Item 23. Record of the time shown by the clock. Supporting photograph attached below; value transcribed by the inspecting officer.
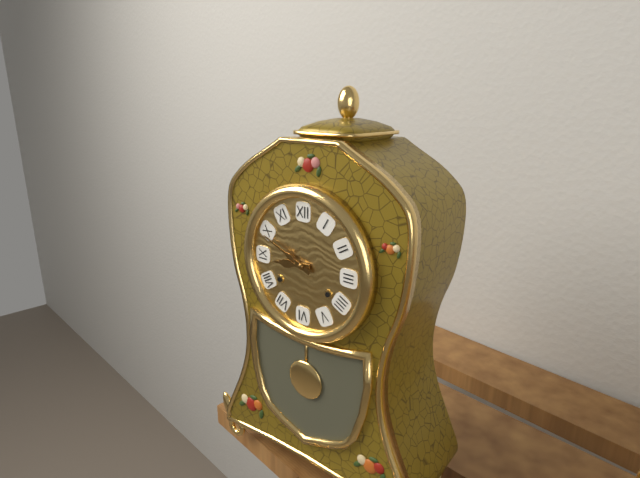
8:49
